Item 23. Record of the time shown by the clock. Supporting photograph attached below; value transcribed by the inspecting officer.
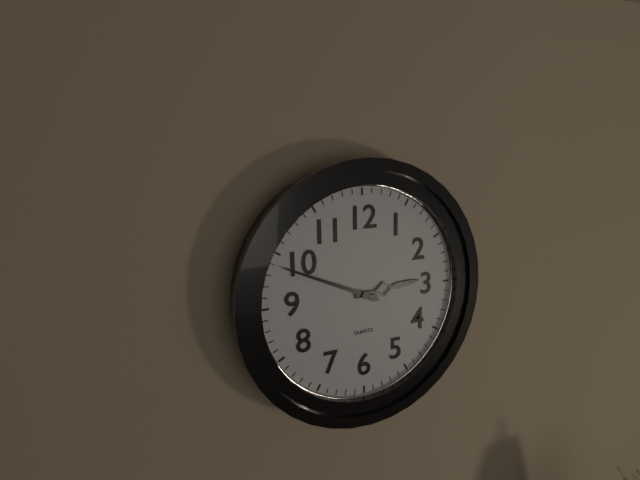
2:49
